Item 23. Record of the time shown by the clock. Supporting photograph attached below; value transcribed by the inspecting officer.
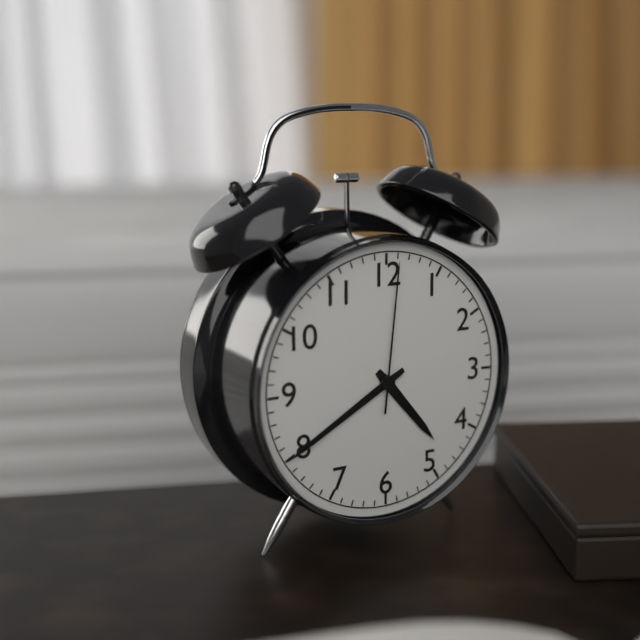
4:40:01
